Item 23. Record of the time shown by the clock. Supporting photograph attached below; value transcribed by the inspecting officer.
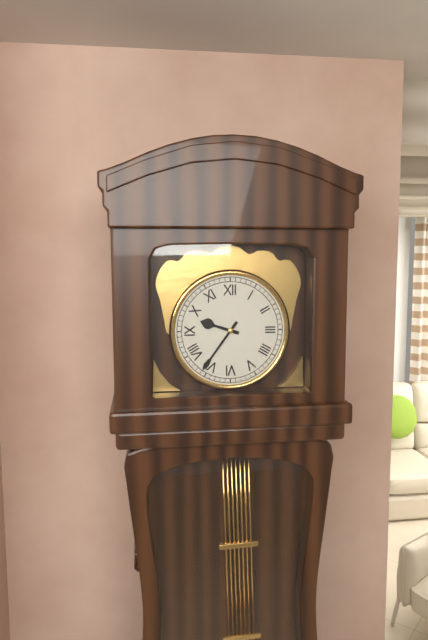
9:36
